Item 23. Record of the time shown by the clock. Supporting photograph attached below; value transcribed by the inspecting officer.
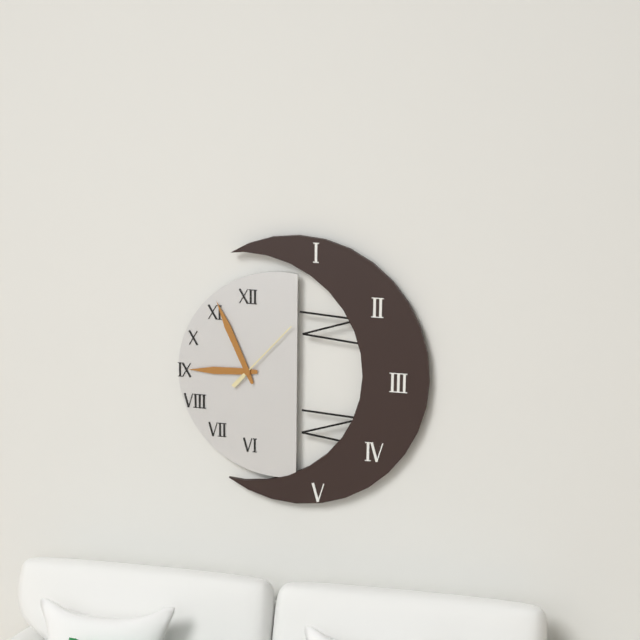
8:56:07
